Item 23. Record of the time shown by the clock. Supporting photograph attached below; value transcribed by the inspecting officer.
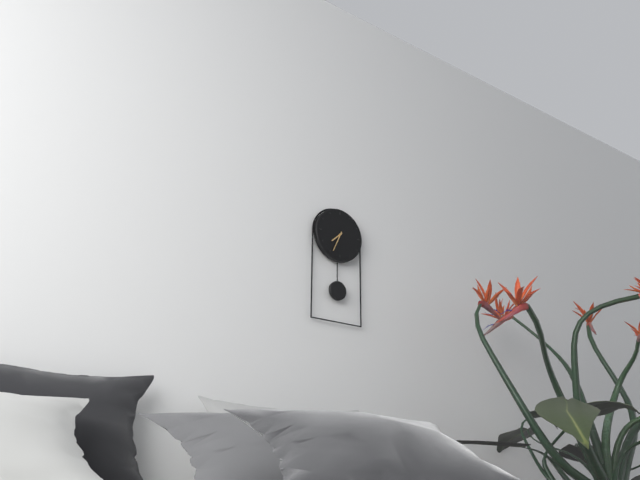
7:34
